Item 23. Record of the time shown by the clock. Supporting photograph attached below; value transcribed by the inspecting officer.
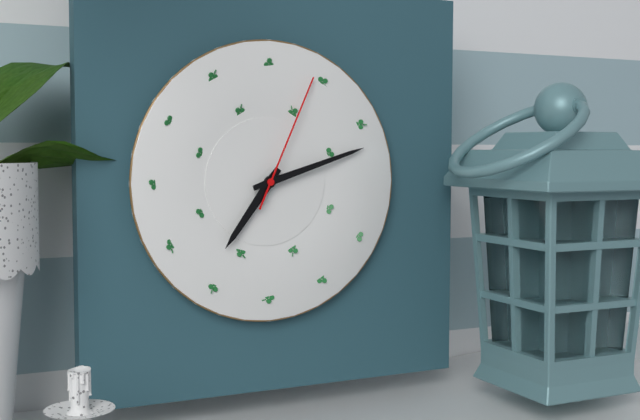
7:12:04
